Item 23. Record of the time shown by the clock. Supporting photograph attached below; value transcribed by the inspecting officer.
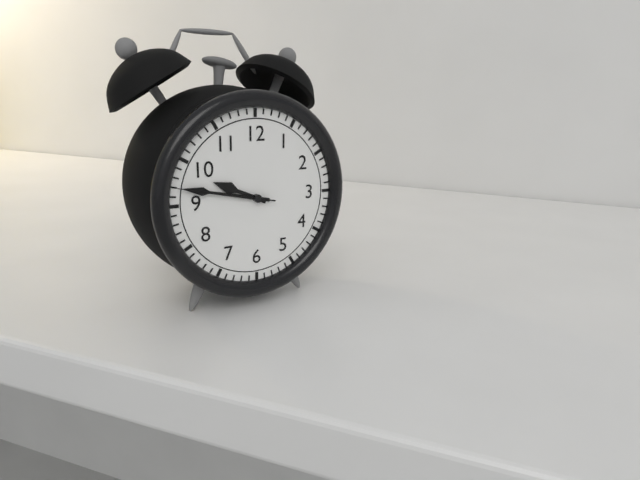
9:47:47
